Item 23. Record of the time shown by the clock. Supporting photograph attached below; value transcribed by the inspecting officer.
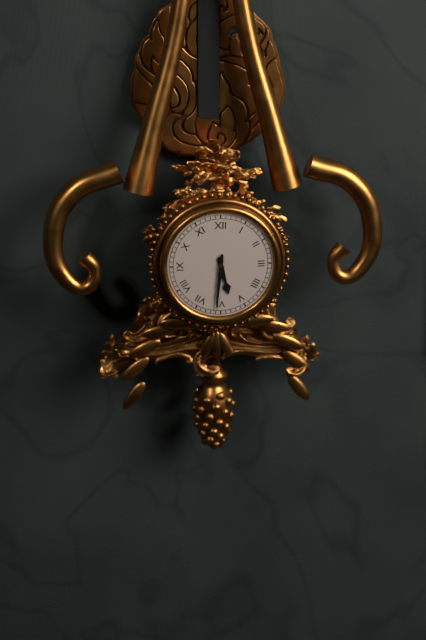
5:31
